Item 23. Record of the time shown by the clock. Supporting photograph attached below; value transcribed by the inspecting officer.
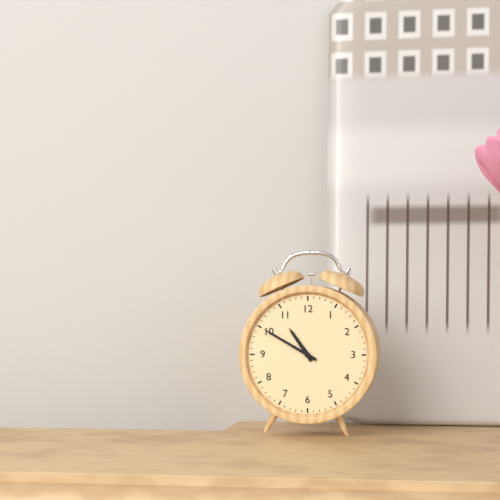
10:50
